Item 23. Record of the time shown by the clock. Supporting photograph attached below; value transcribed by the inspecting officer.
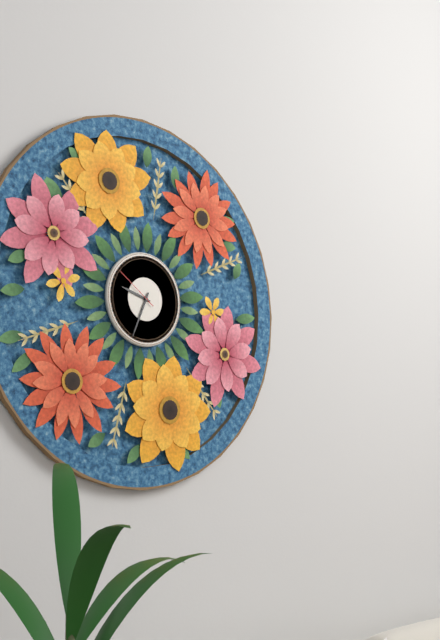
9:34
